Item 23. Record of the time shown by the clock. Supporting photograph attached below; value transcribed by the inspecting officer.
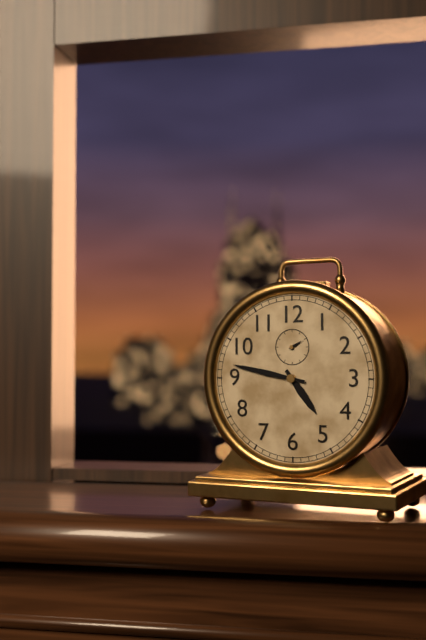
4:47
